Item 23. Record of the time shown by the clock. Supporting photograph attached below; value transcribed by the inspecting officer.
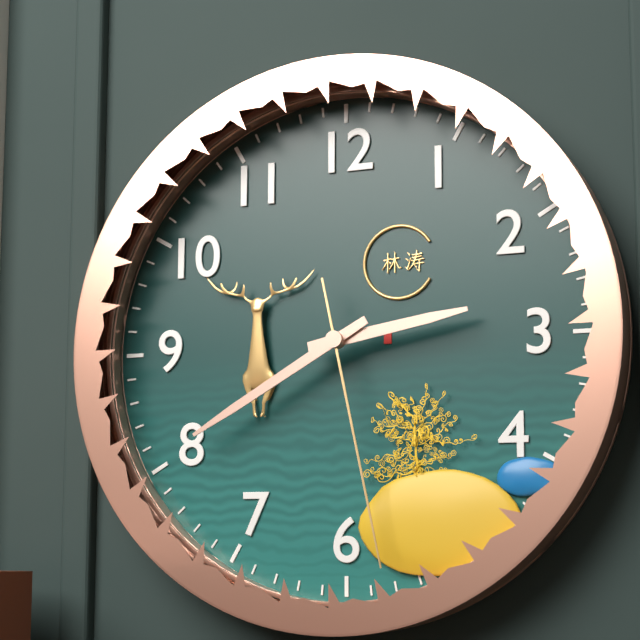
2:40:28
